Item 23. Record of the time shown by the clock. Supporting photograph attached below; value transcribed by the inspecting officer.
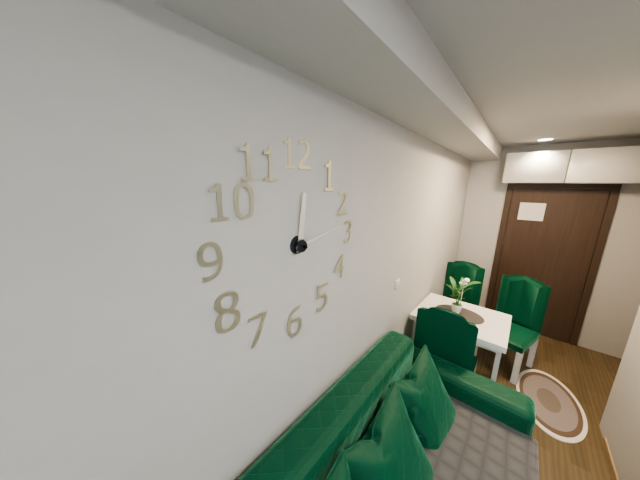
12:13
